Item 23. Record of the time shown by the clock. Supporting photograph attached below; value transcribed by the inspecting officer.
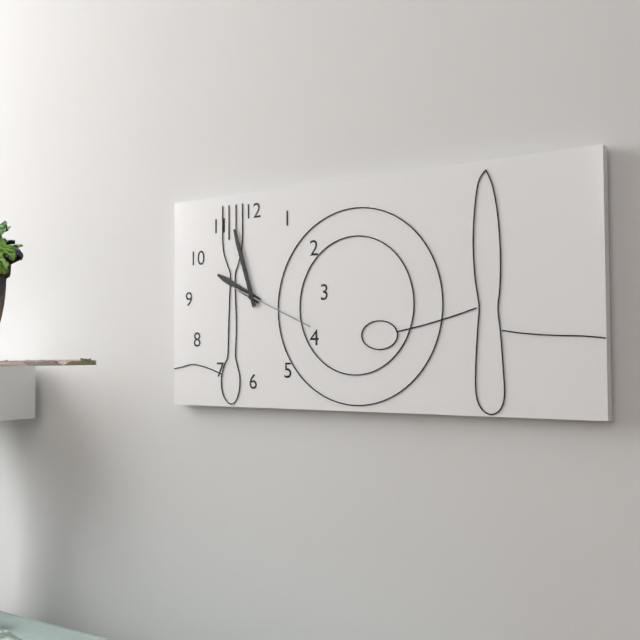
9:57:19
